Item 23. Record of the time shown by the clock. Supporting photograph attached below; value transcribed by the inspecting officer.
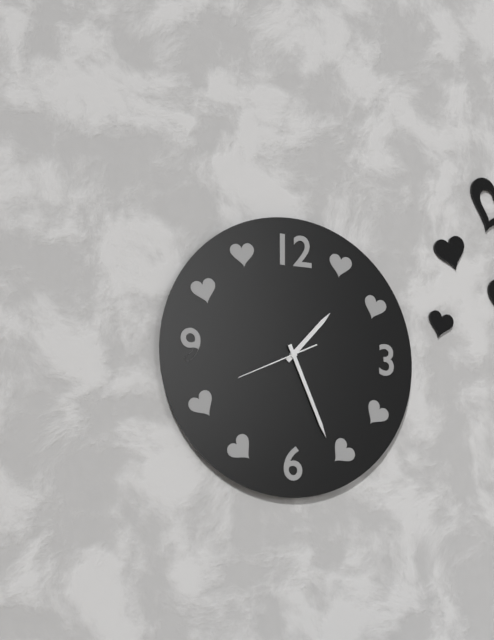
1:26:41
